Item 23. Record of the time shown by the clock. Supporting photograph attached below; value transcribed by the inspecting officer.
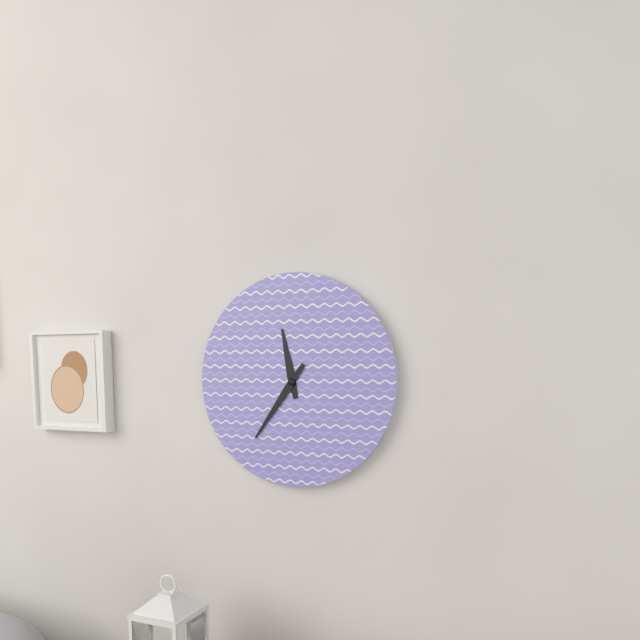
11:36
